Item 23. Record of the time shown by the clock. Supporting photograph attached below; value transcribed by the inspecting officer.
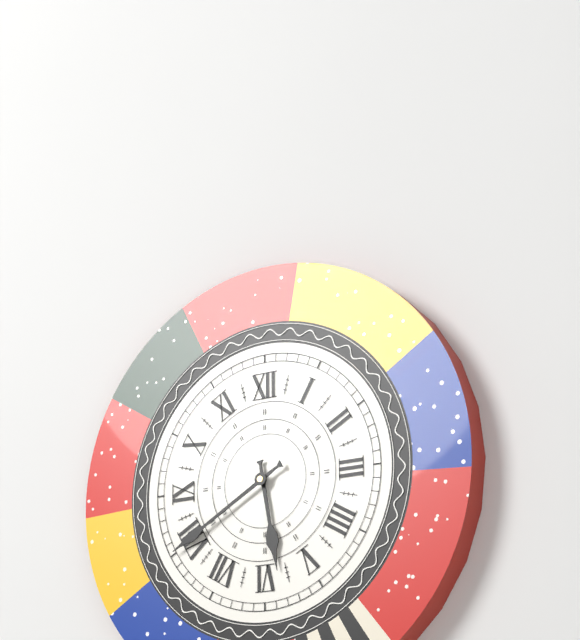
5:40
